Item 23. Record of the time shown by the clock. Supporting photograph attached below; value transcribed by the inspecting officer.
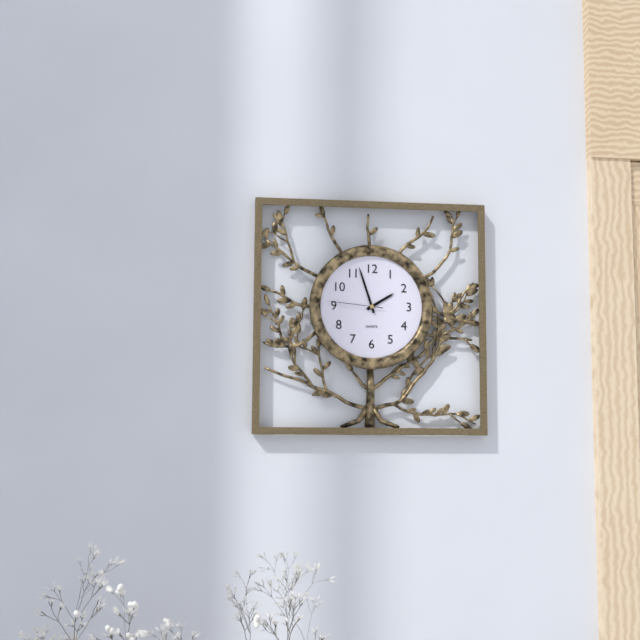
1:57:46
